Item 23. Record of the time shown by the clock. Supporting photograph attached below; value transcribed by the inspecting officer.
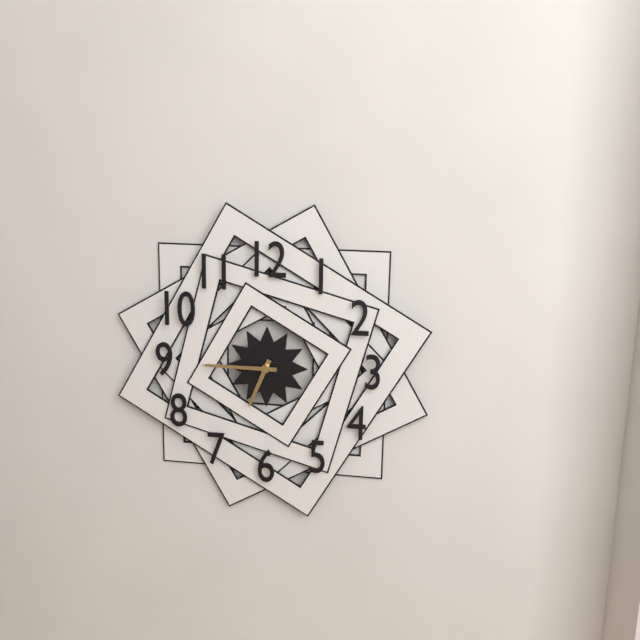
6:45
